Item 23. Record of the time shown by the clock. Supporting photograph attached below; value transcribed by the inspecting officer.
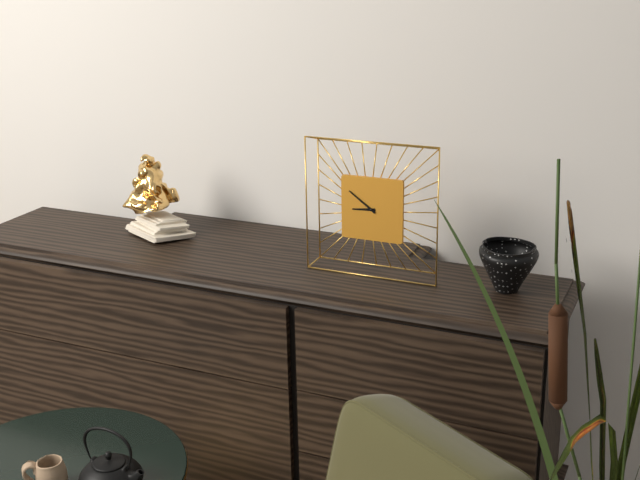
8:51
